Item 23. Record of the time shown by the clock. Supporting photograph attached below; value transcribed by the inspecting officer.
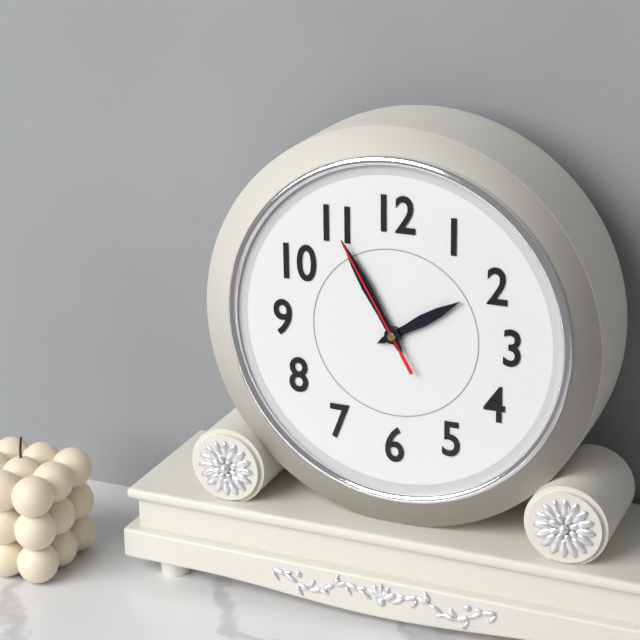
1:55:55
